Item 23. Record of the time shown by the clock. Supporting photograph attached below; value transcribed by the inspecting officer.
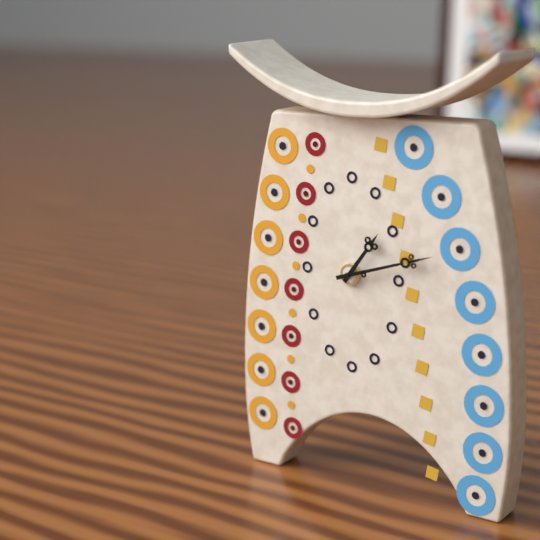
1:12
